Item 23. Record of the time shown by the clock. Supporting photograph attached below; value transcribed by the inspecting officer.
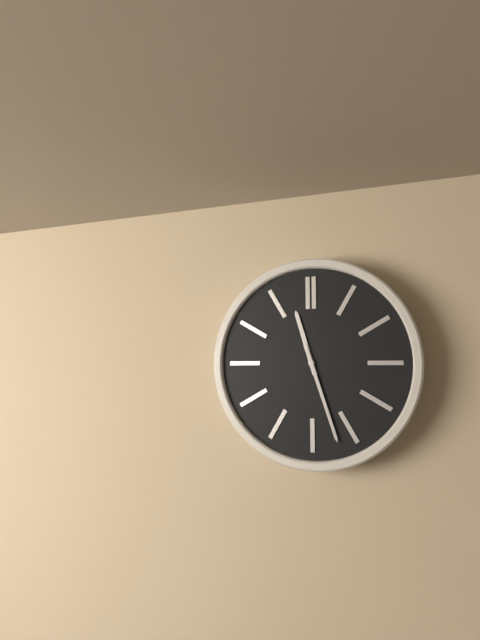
11:27
